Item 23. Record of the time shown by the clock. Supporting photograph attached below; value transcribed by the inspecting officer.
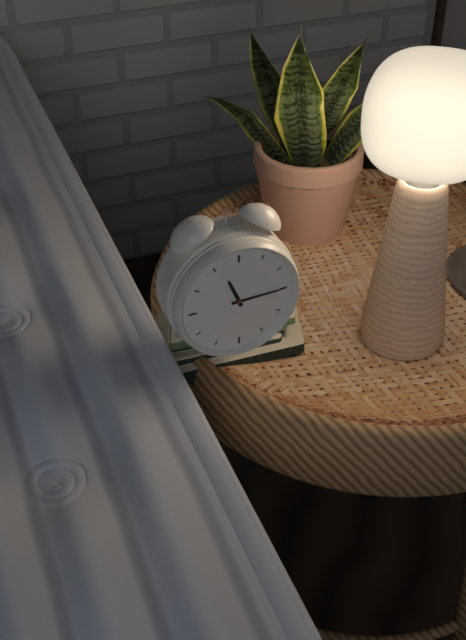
11:15
